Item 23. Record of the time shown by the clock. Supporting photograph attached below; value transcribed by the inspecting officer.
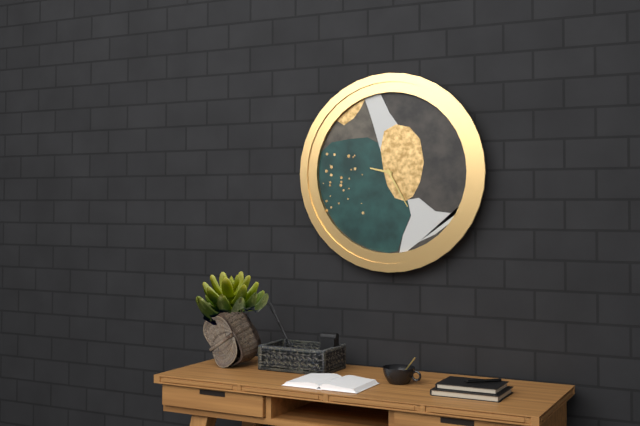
9:25
